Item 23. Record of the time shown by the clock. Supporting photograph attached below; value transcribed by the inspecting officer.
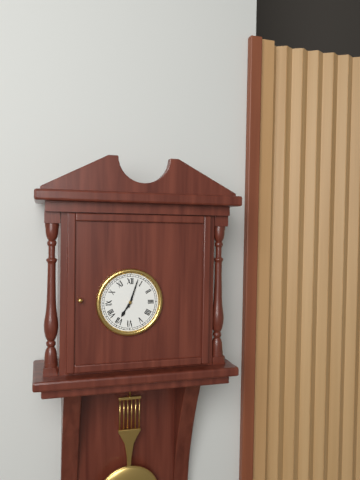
7:03
